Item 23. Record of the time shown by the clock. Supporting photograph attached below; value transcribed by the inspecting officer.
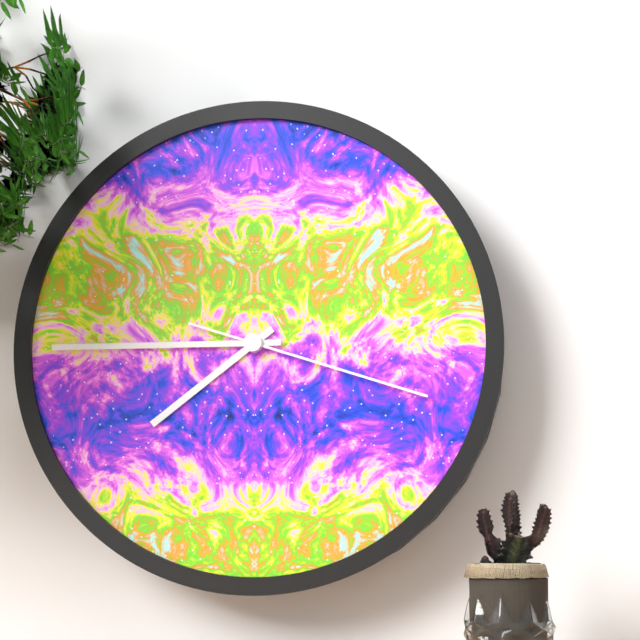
7:45:18
